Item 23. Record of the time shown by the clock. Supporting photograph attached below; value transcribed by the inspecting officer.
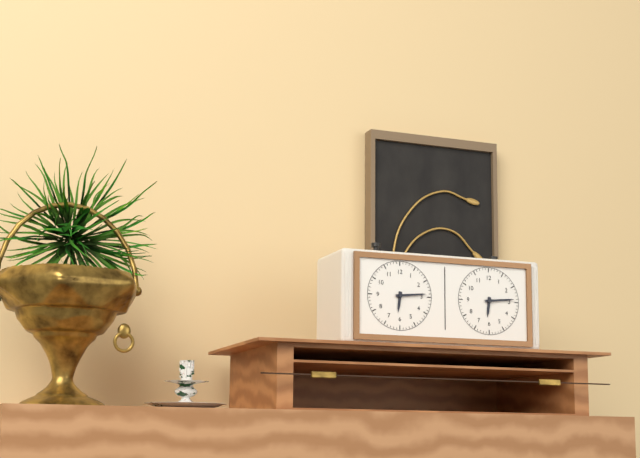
6:14
